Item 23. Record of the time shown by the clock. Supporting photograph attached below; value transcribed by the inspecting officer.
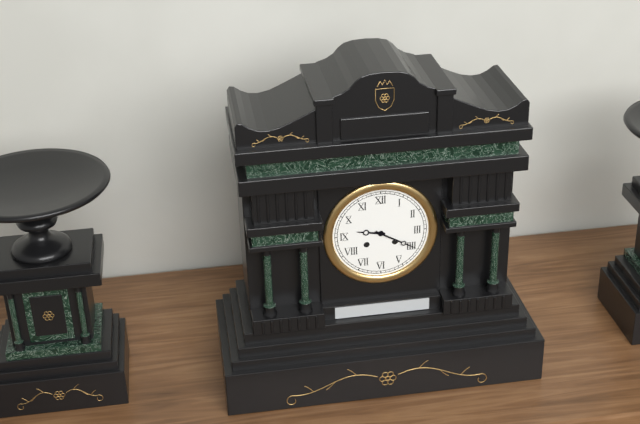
9:20
